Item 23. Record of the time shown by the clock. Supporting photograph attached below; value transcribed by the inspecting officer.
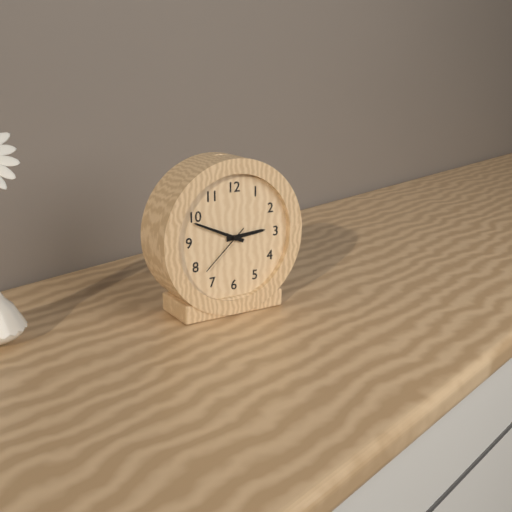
2:49:38
